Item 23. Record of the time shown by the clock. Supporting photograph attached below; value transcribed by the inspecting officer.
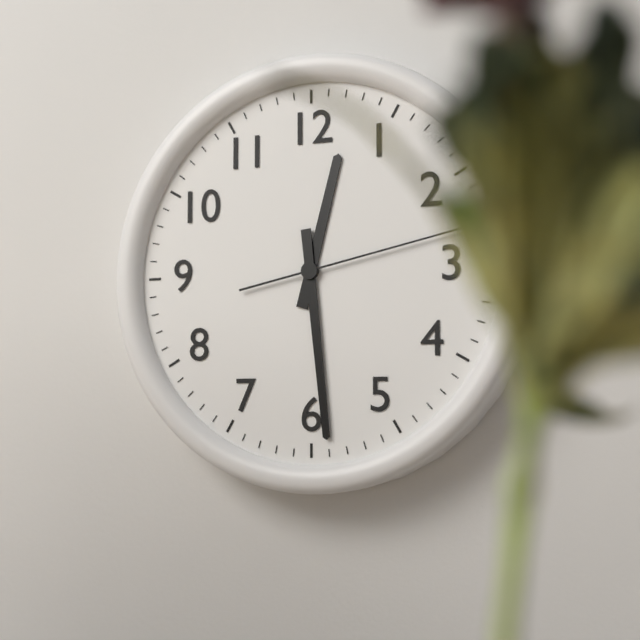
12:29:13
